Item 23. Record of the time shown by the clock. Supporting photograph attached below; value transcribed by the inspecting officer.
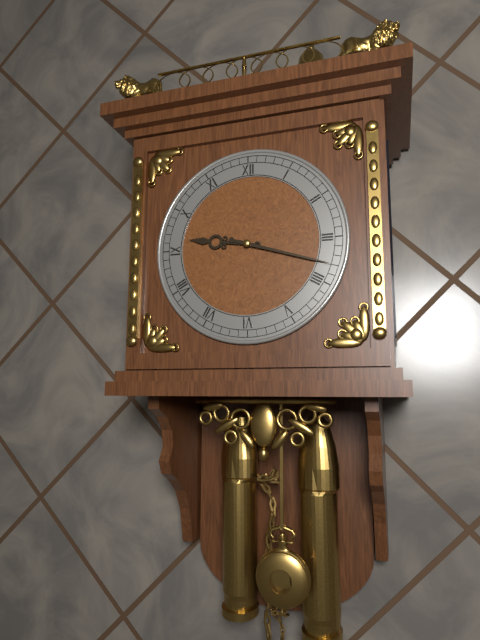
9:18
